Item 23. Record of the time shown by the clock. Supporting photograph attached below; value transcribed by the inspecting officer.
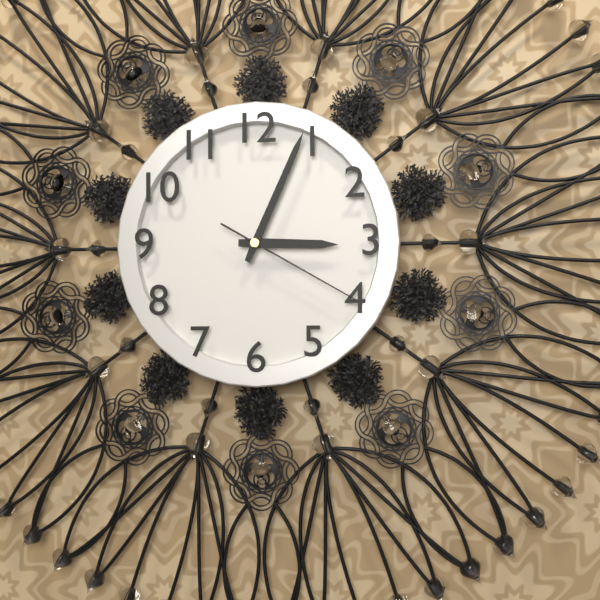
3:04:20
